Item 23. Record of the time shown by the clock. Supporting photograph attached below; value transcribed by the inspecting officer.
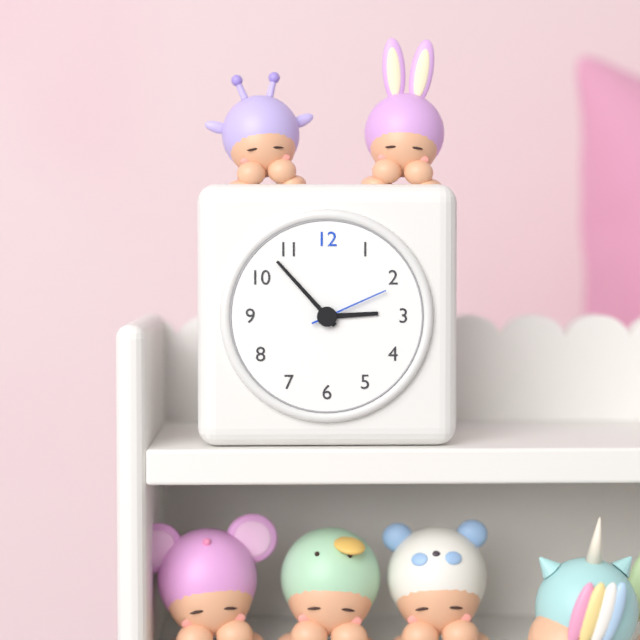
2:53:11
